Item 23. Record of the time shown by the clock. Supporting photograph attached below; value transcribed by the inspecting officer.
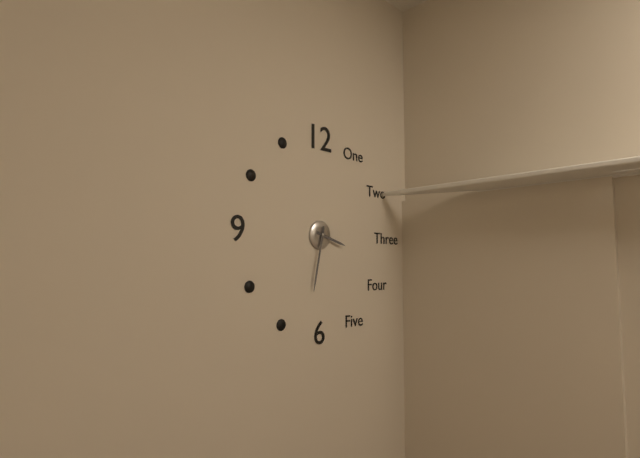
3:32
